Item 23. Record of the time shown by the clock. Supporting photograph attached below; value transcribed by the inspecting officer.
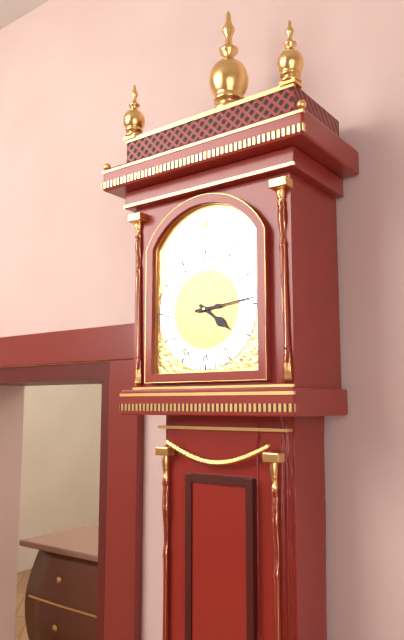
4:14
